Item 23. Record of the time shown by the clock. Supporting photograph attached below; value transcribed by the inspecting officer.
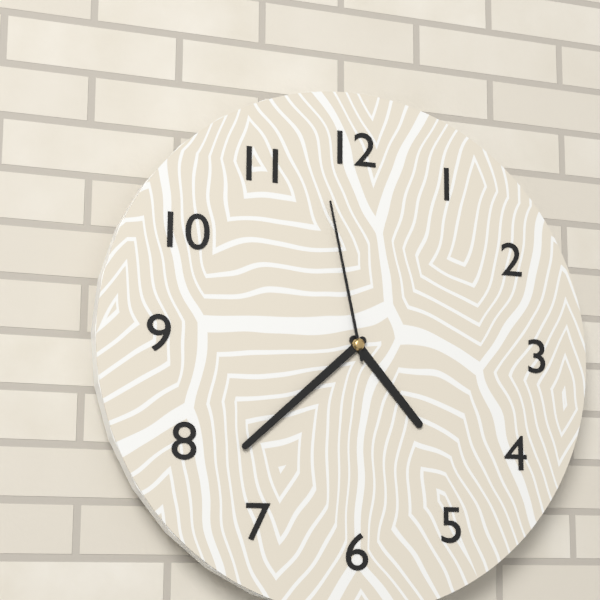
4:38:58
